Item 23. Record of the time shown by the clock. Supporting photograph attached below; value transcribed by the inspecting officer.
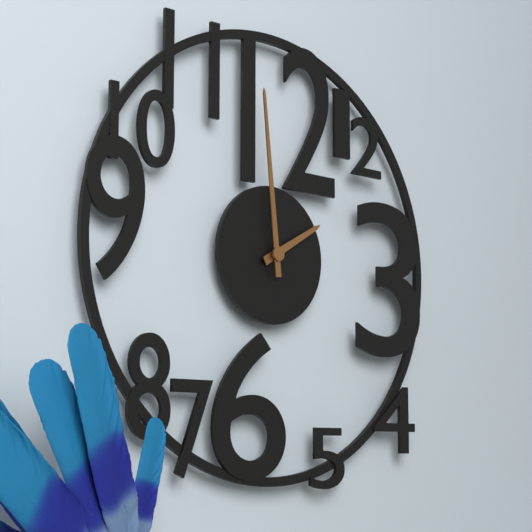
1:59
